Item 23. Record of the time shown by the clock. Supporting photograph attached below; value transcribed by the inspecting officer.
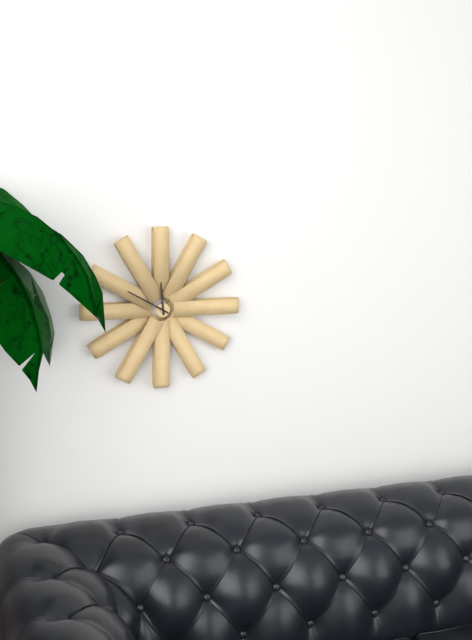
11:50
